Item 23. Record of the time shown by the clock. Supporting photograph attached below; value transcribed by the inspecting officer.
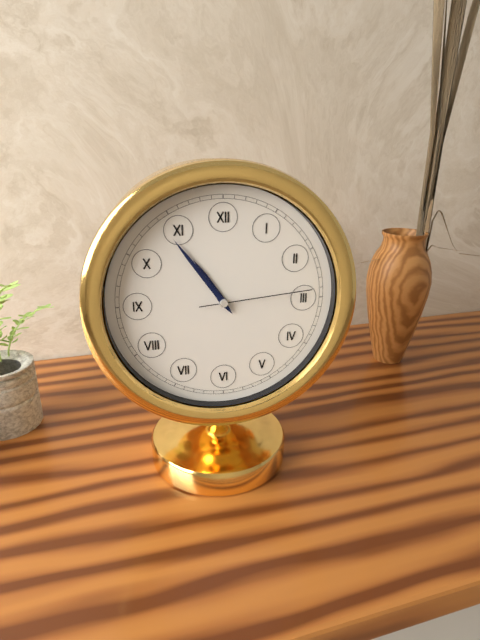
10:54:14
